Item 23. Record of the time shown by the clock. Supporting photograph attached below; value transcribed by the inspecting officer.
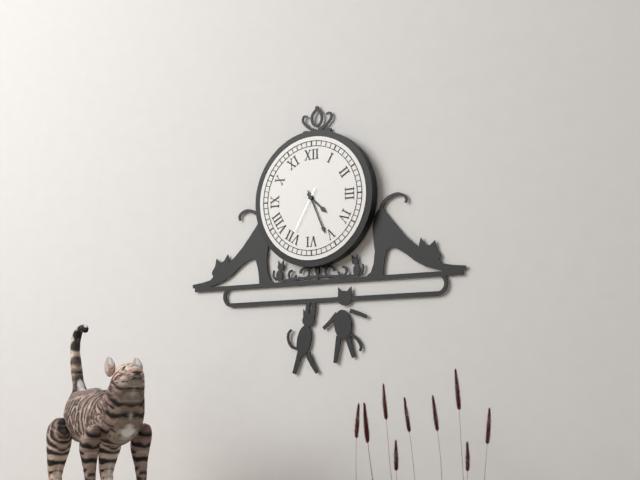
4:26
